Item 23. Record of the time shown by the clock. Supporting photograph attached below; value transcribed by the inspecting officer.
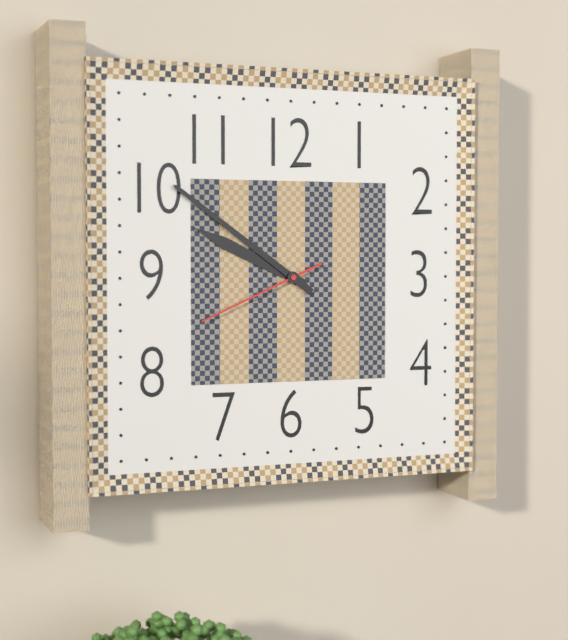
9:51:41
